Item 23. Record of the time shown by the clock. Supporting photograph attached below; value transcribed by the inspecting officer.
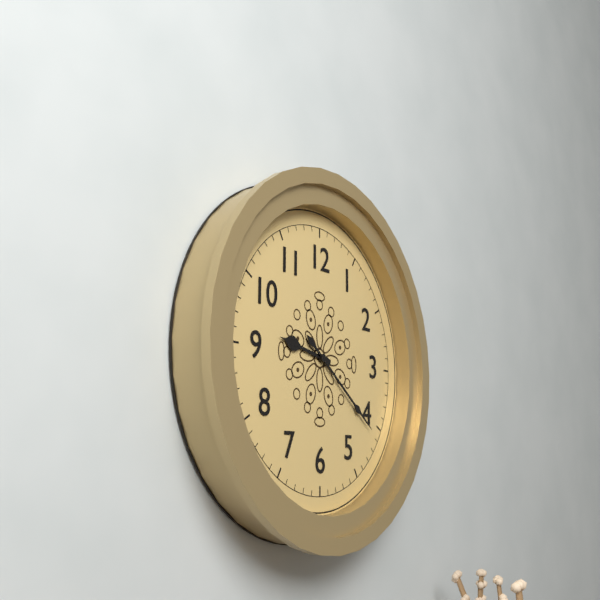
9:21
